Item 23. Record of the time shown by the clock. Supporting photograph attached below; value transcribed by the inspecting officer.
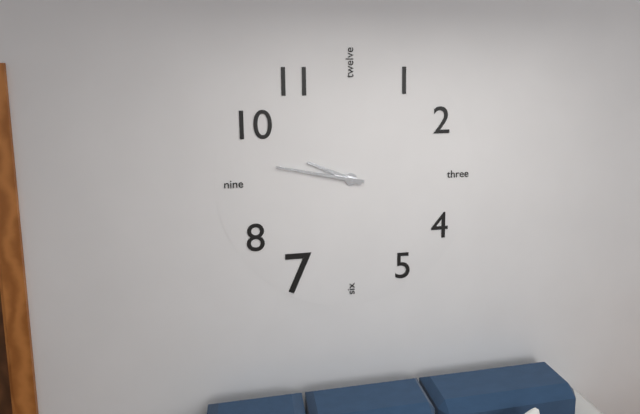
9:47
